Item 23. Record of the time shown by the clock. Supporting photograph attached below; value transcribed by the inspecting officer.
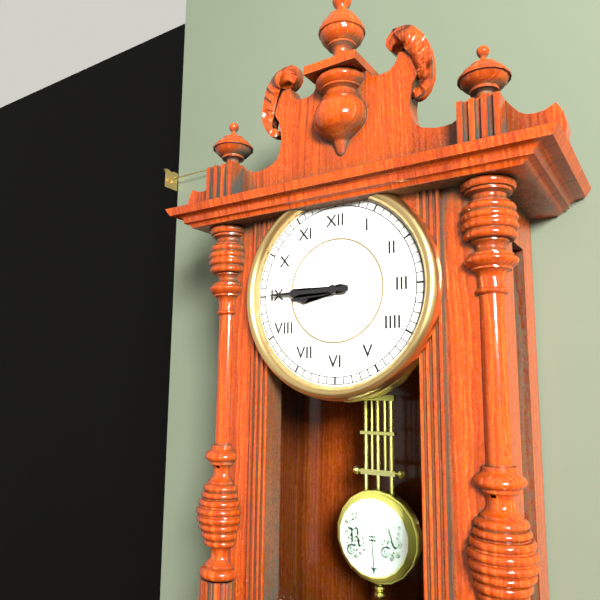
8:45
